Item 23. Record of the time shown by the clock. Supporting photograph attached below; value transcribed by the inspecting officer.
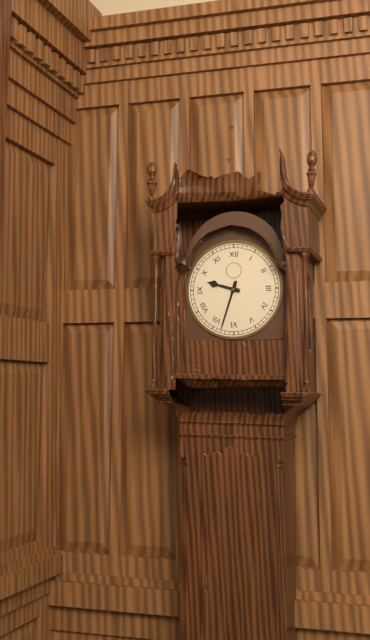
9:33
